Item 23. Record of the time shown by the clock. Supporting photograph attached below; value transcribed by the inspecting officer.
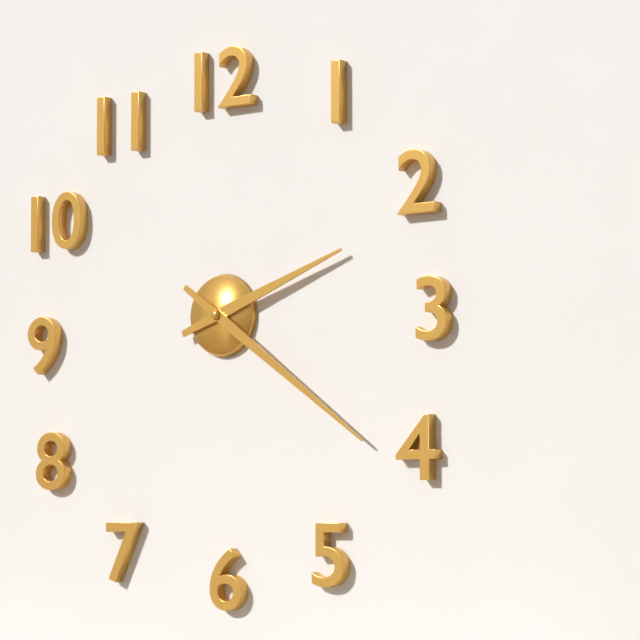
2:21
